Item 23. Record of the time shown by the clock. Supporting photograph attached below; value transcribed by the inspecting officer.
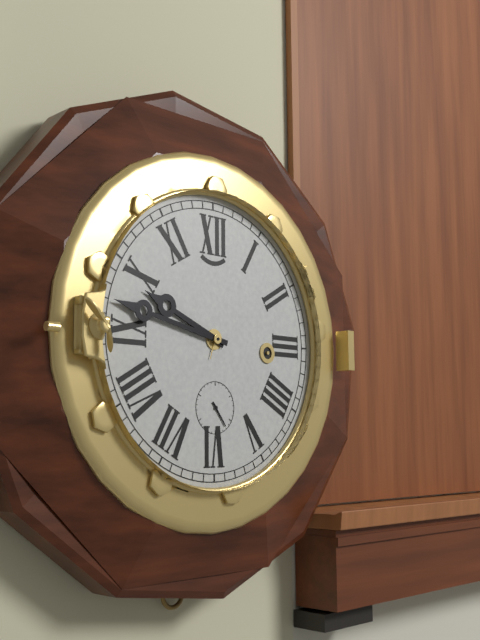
9:47:24
